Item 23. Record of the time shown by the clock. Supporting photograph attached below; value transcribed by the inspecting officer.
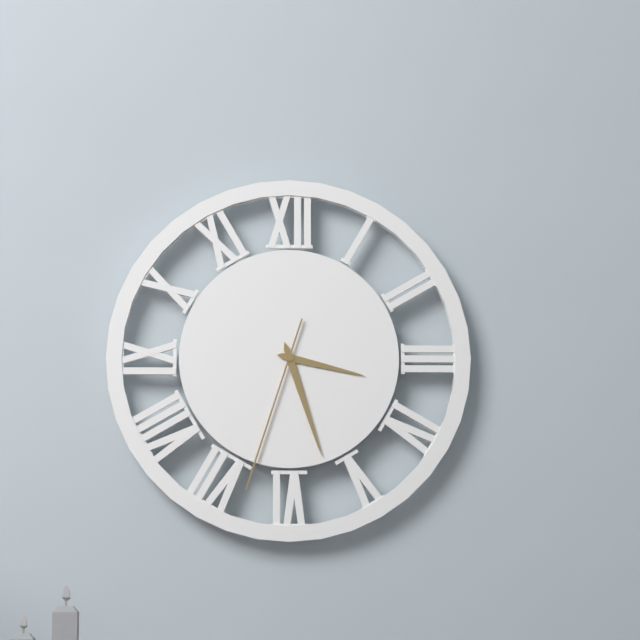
3:27:33
